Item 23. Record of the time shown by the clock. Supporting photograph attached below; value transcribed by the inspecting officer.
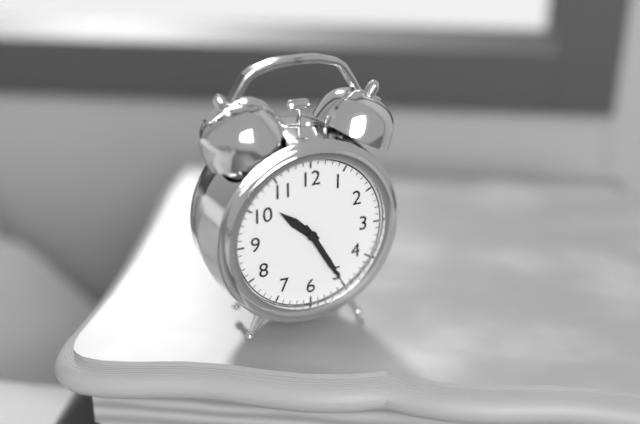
10:25
